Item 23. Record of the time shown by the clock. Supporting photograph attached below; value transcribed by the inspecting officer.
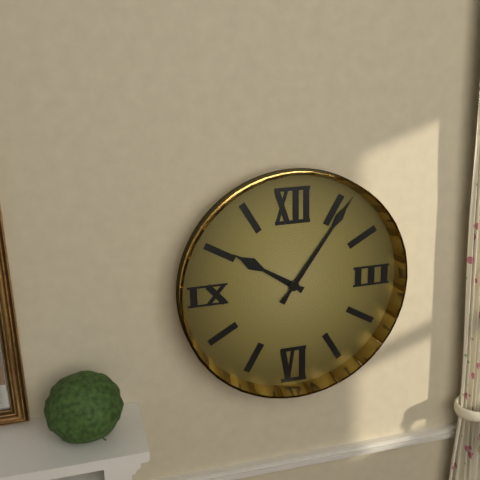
10:06
